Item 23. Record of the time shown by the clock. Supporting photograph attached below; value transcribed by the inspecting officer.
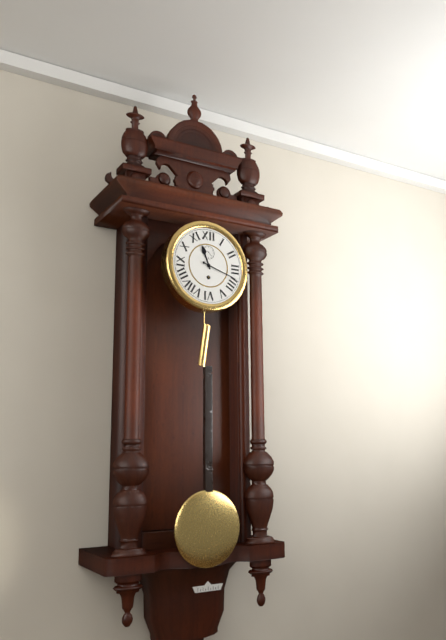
11:18
